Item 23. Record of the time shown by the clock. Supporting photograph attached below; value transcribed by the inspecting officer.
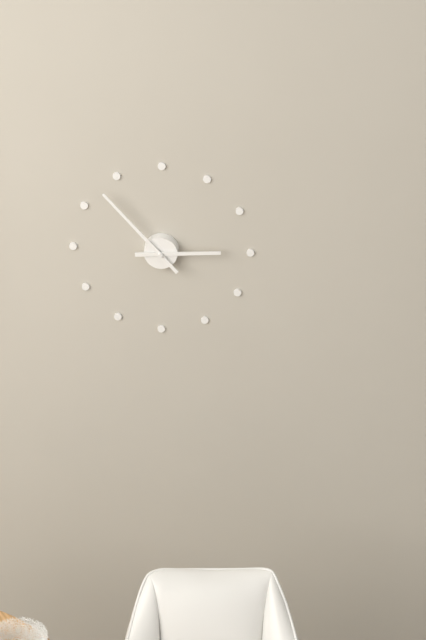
2:53
